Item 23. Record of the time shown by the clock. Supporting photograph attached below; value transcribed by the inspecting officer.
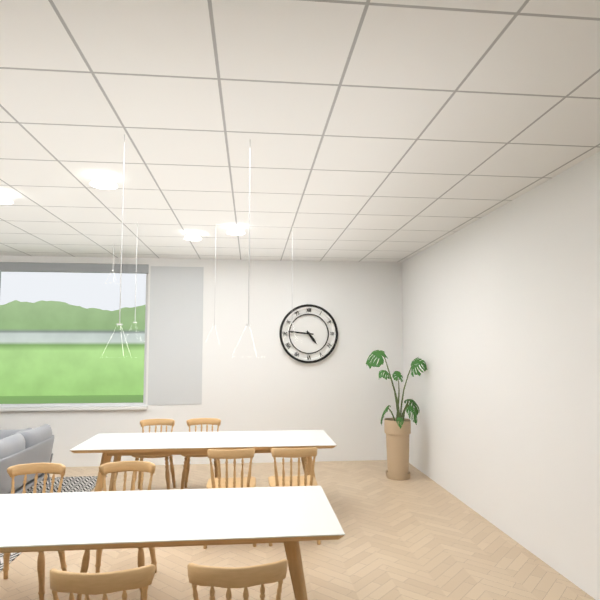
4:46
